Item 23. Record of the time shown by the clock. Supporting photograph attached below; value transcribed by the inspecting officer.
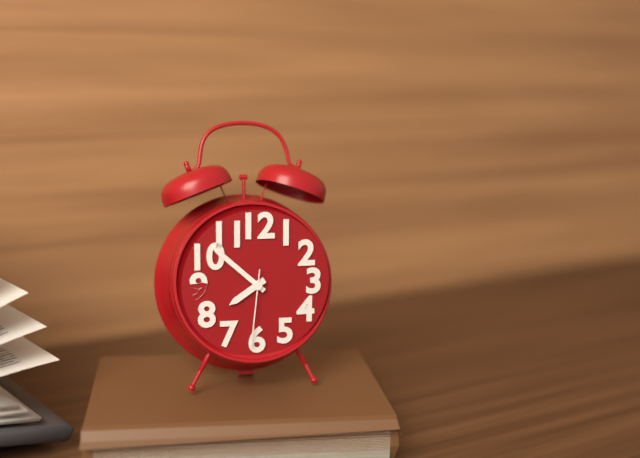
7:52:31
